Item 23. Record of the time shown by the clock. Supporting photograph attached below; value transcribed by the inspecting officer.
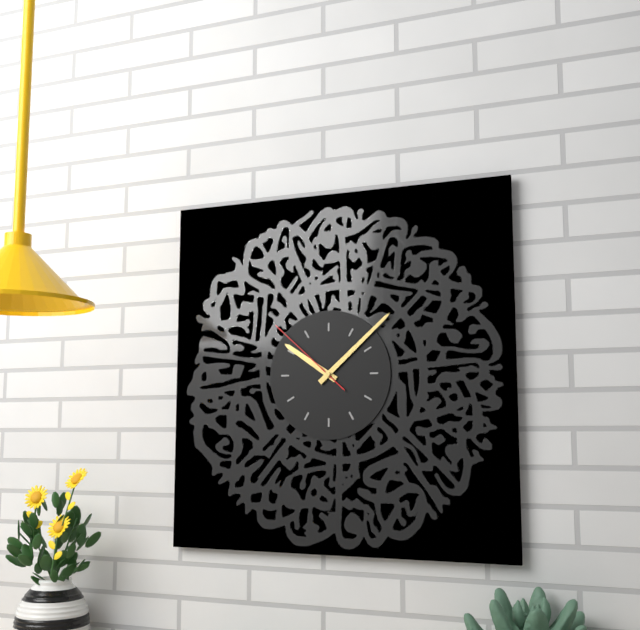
10:08:52
